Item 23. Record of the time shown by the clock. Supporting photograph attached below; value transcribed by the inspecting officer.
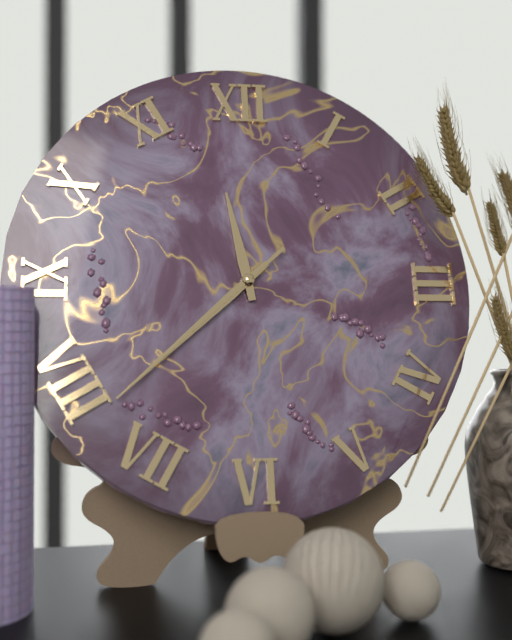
11:38:38
